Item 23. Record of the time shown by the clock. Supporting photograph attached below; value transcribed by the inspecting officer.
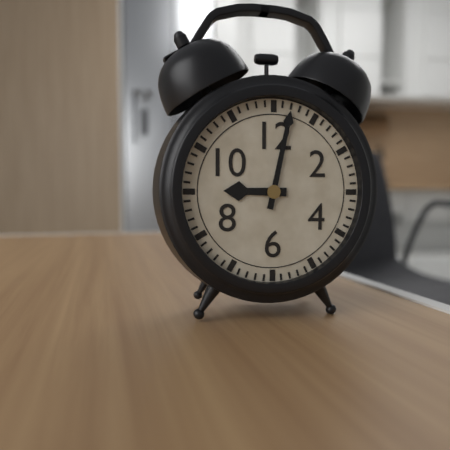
9:02
